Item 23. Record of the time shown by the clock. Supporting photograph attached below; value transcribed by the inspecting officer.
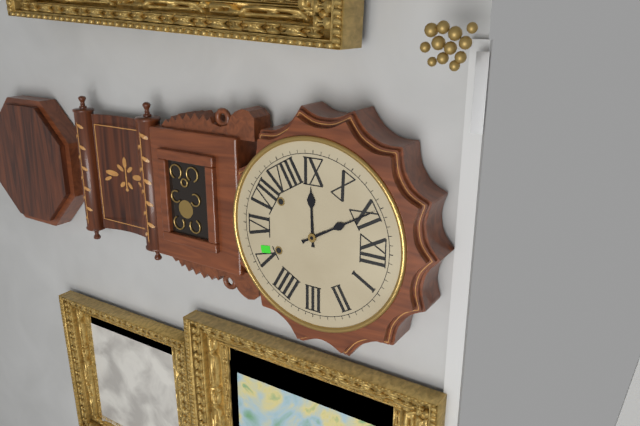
8:55
